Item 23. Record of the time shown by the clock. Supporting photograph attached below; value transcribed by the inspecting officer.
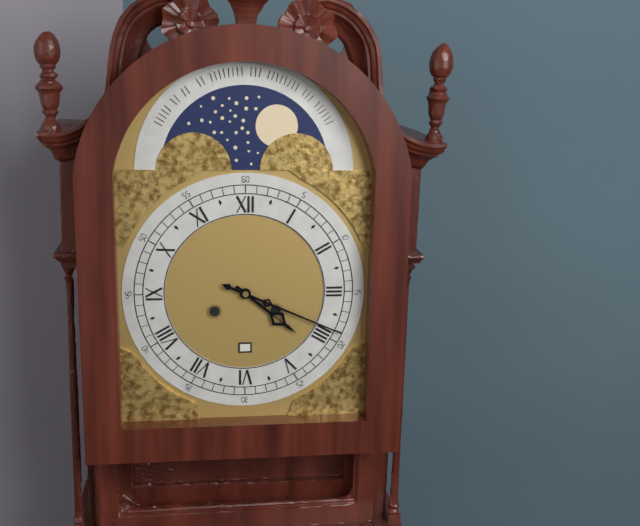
4:19
